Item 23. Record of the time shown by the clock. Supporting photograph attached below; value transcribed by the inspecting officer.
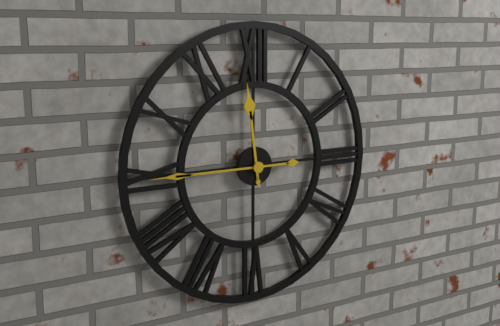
11:45
